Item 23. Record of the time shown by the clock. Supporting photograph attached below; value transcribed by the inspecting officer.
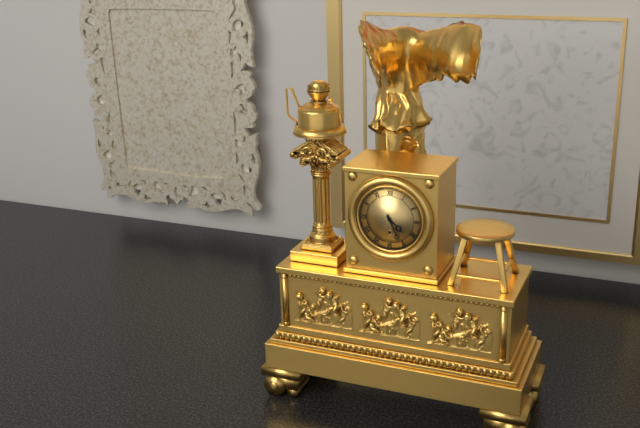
4:26
